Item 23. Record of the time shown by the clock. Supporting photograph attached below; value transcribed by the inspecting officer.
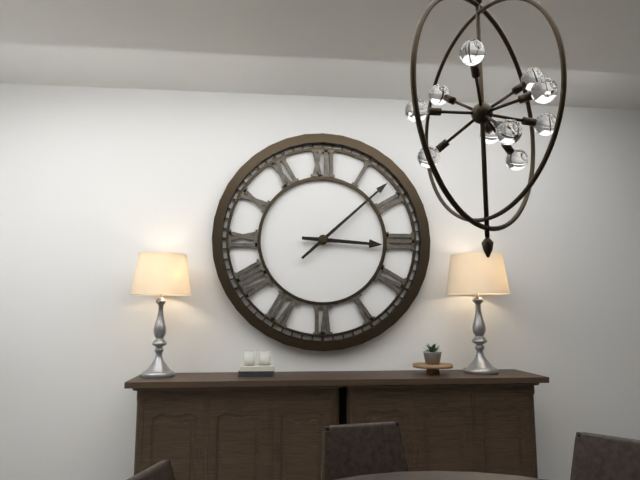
3:08
